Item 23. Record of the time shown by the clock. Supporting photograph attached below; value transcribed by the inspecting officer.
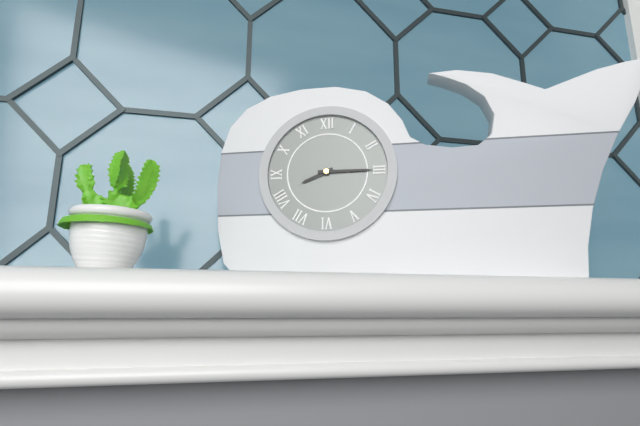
8:15
